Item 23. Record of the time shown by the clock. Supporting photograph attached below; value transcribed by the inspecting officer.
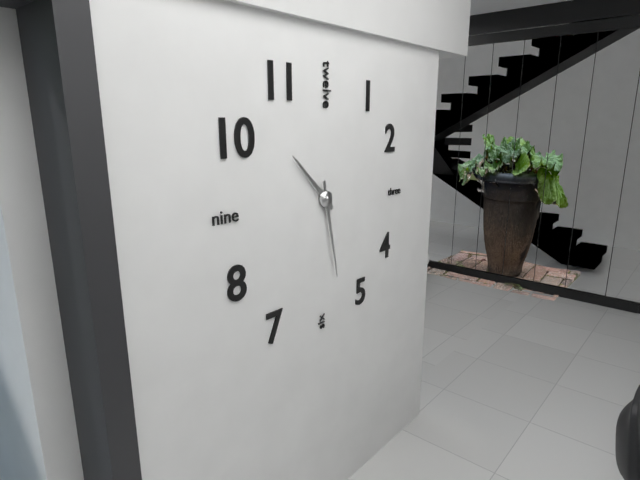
10:28
